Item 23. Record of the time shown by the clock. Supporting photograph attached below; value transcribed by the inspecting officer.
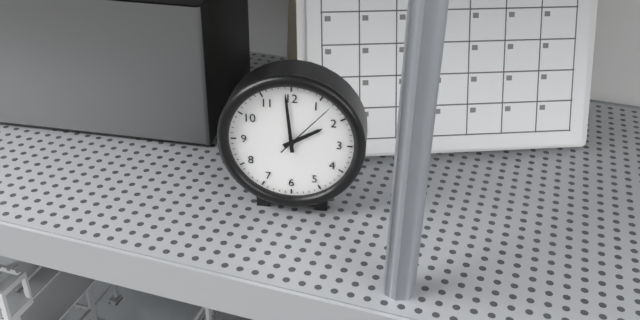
1:59:07
